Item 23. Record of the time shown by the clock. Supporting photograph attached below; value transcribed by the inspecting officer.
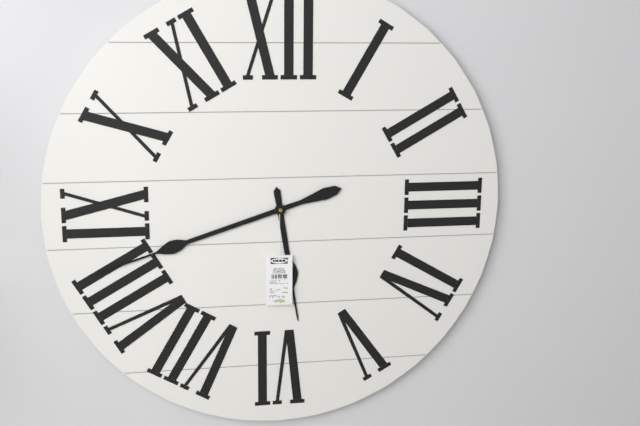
5:42
